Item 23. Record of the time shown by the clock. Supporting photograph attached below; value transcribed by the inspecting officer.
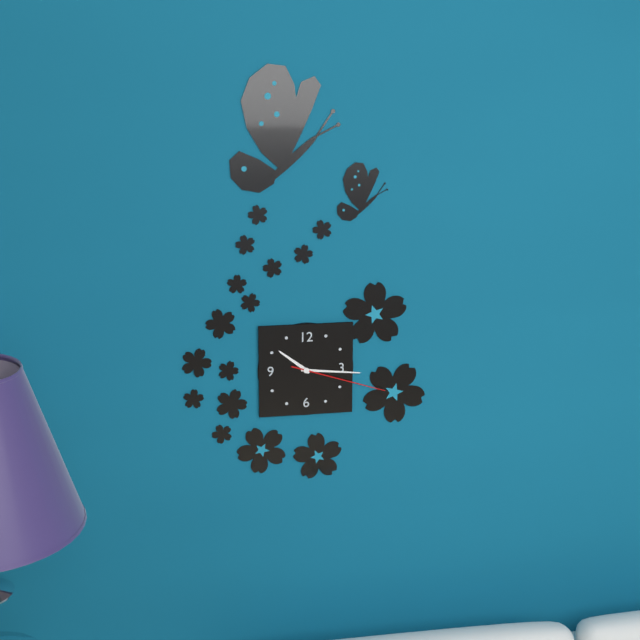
10:16:18
